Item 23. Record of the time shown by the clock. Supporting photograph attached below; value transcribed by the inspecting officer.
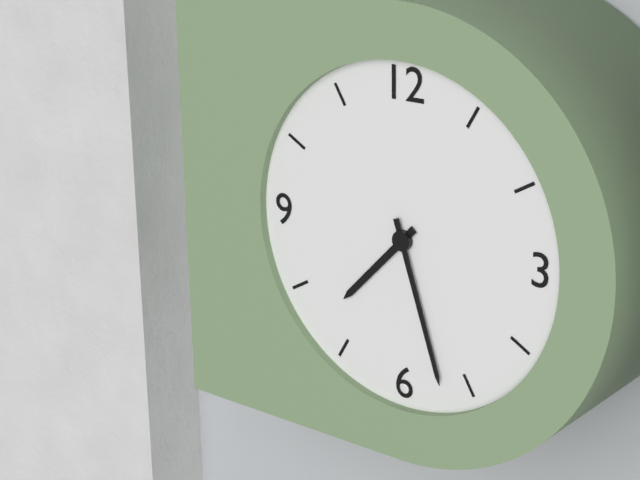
7:27
